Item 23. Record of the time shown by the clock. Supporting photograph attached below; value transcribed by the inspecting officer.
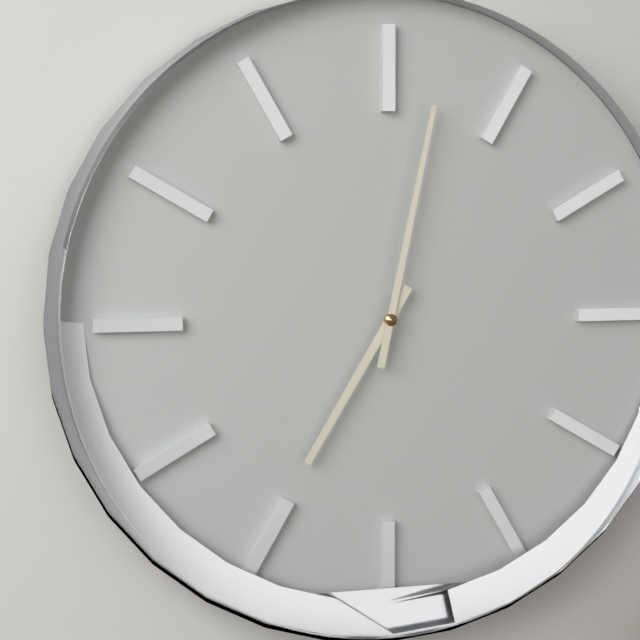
7:02
